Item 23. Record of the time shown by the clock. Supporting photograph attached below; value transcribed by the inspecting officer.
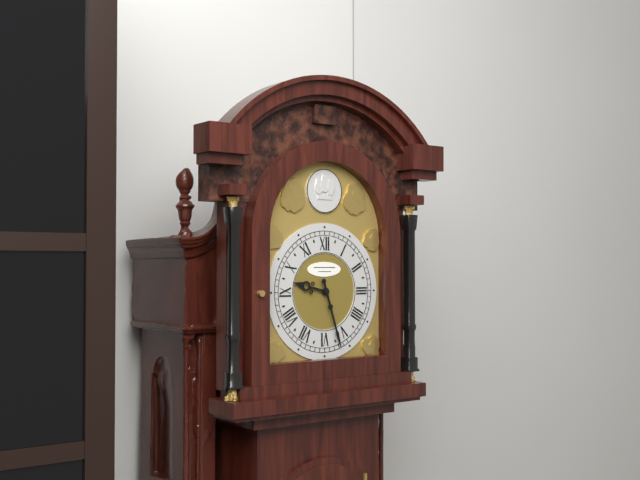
9:27
